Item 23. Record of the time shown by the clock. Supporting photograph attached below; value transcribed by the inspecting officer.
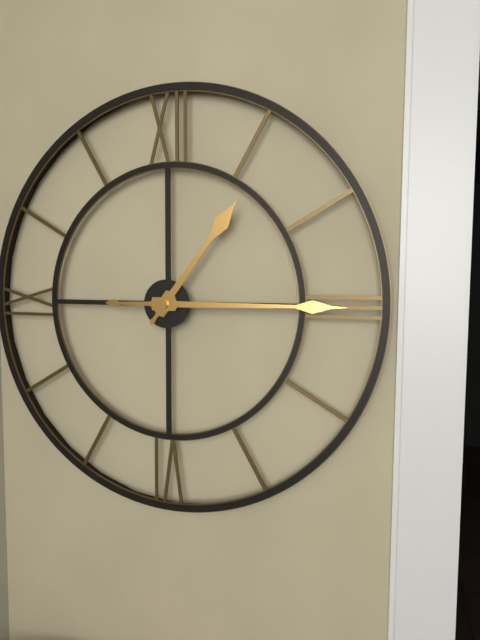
1:15
